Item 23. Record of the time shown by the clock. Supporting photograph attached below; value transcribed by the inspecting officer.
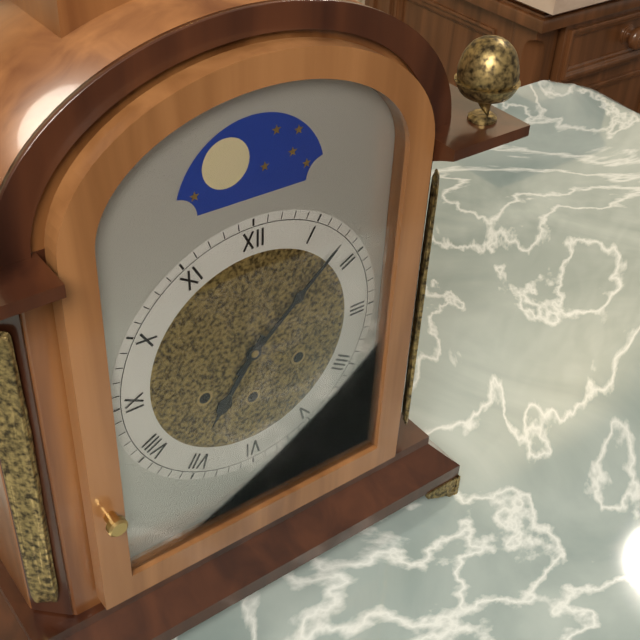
7:08
